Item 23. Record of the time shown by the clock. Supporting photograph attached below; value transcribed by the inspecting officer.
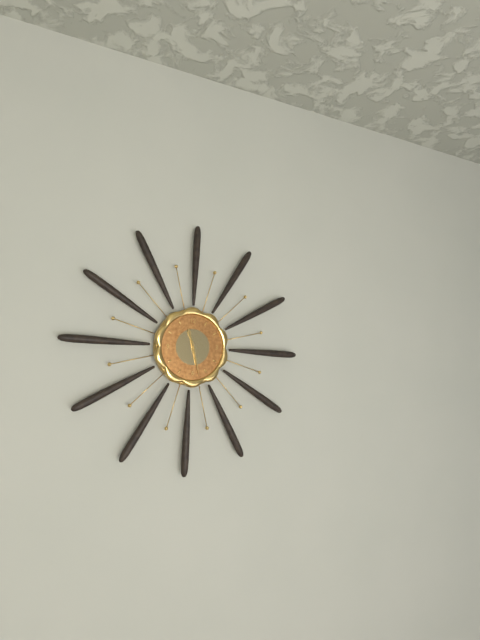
11:28
